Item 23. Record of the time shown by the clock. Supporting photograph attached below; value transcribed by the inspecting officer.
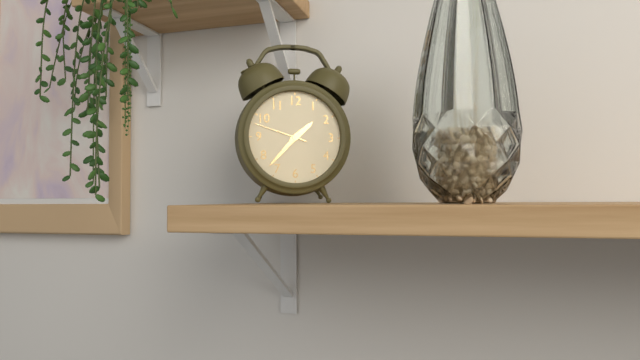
1:37:48
